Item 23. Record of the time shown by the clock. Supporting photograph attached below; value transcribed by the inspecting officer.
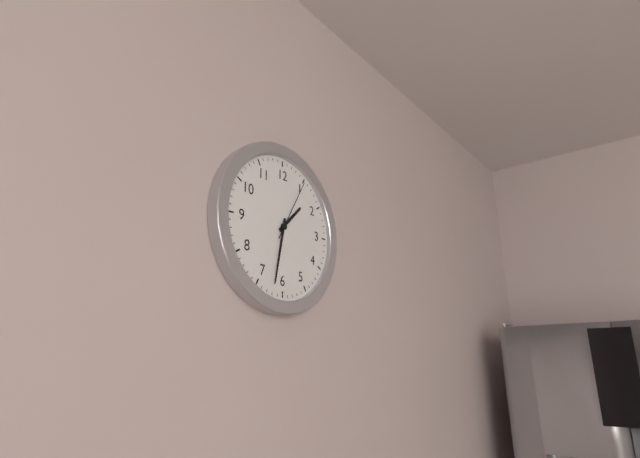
1:32:05
